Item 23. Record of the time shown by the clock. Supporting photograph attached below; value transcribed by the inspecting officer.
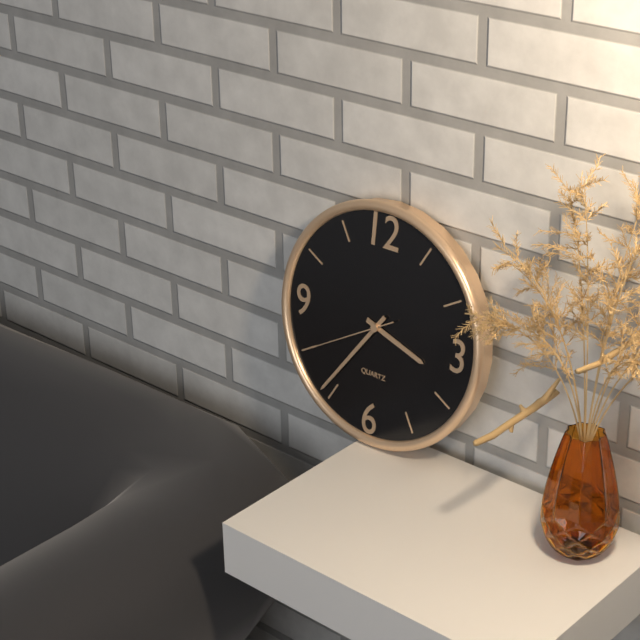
3:36:40
